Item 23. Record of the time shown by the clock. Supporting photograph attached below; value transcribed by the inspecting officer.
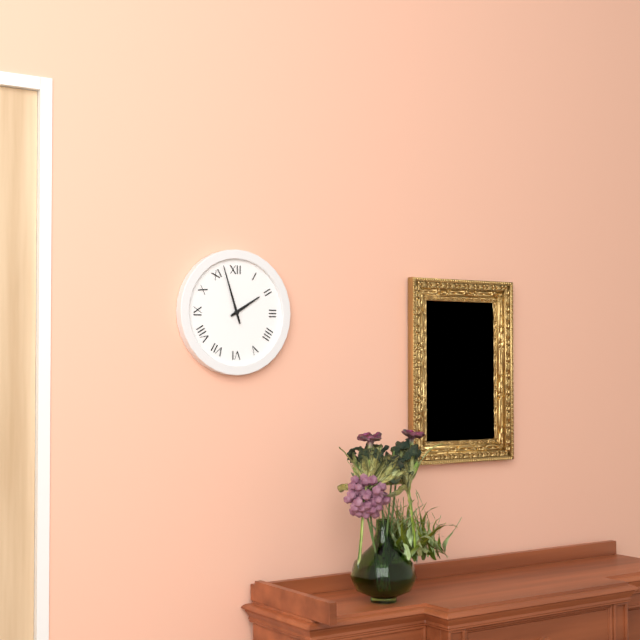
1:57
